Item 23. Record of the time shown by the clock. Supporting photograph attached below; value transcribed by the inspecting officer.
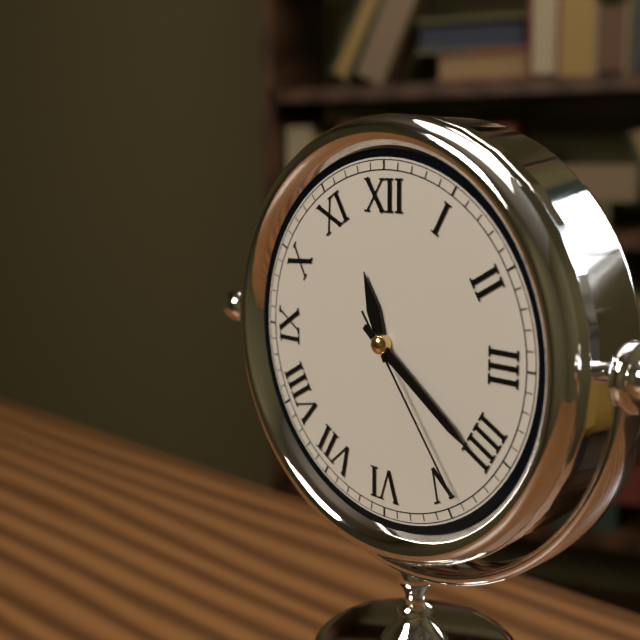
11:21:24
